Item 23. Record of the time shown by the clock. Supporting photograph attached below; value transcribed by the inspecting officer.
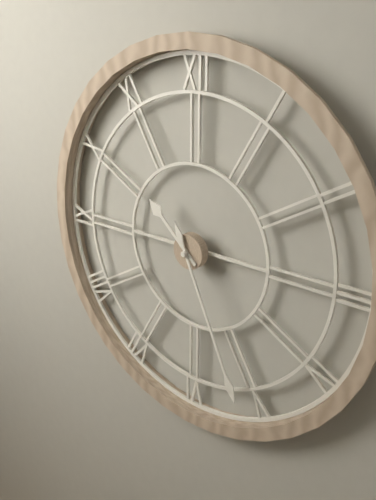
10:26
